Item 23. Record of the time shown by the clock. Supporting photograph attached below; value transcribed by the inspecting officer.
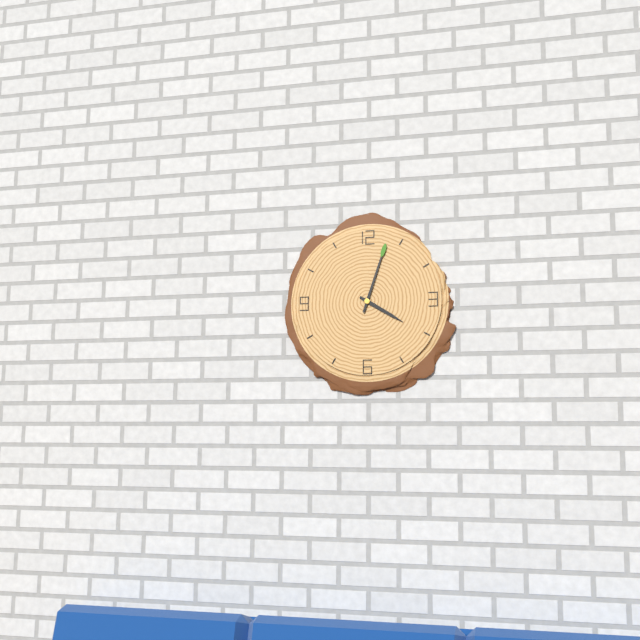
4:03
